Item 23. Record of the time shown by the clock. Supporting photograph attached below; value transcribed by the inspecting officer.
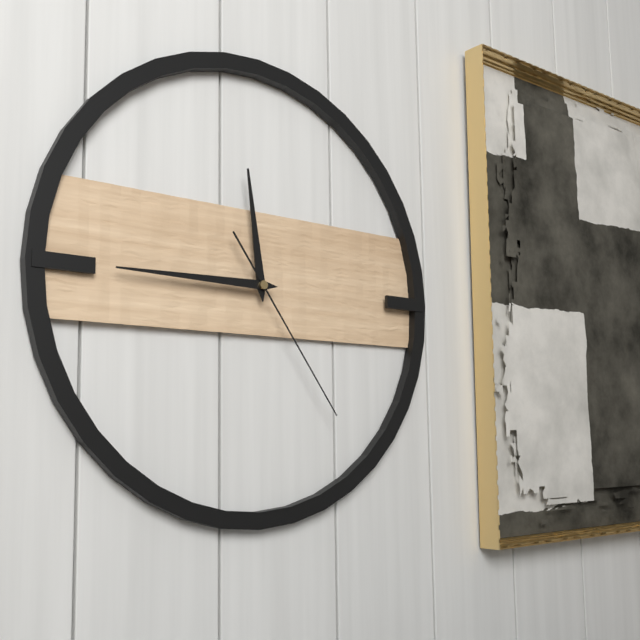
11:45:24
